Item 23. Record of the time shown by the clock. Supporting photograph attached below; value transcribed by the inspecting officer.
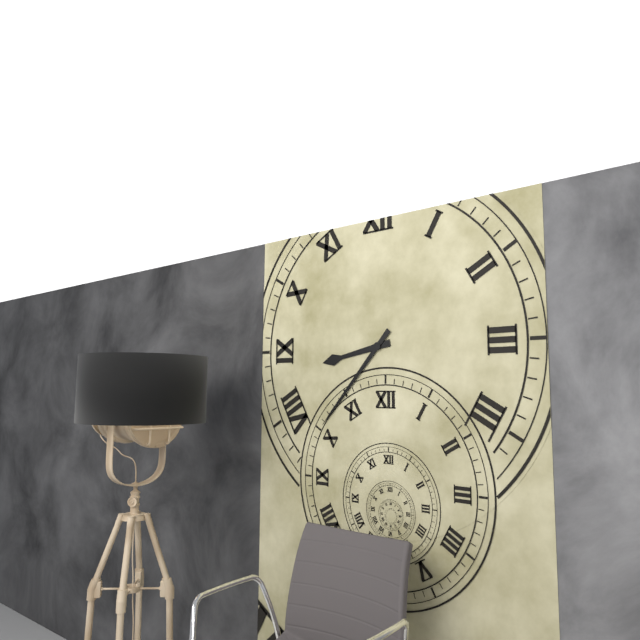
8:37
